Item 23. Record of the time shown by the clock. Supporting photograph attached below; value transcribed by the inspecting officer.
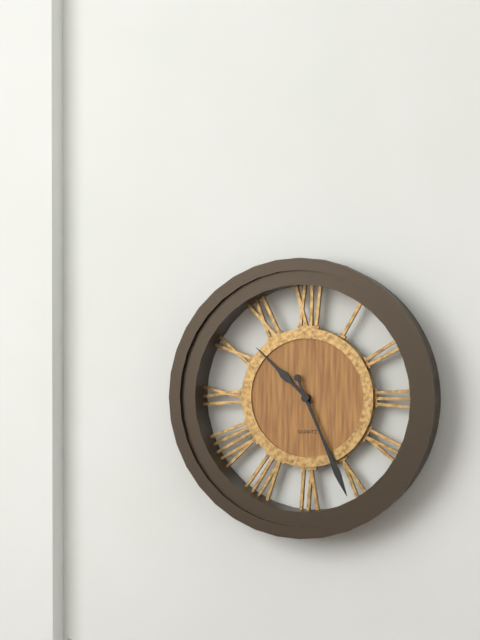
10:26
